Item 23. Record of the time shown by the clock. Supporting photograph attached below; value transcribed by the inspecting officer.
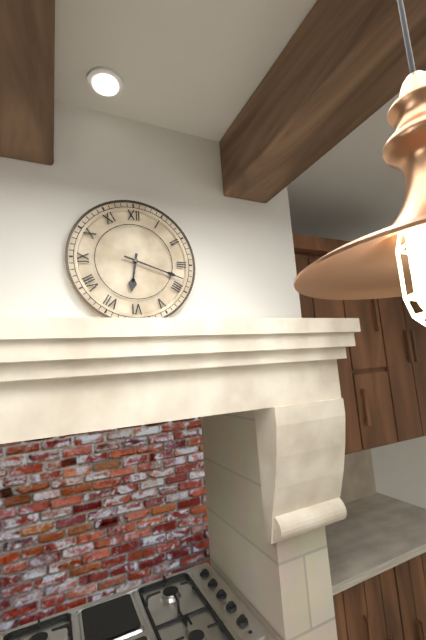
6:18
